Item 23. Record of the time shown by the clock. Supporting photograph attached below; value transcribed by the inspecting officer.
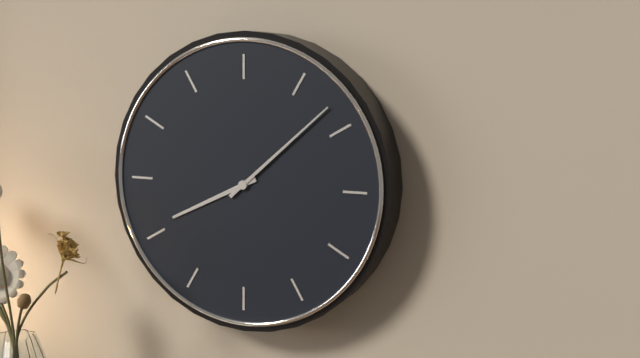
8:08
